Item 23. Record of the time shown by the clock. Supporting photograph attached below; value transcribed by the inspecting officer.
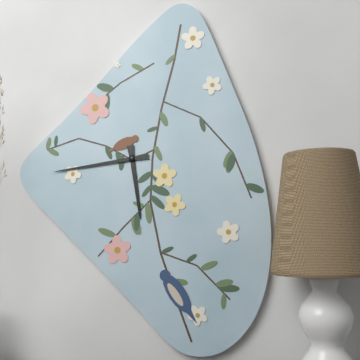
5:44
